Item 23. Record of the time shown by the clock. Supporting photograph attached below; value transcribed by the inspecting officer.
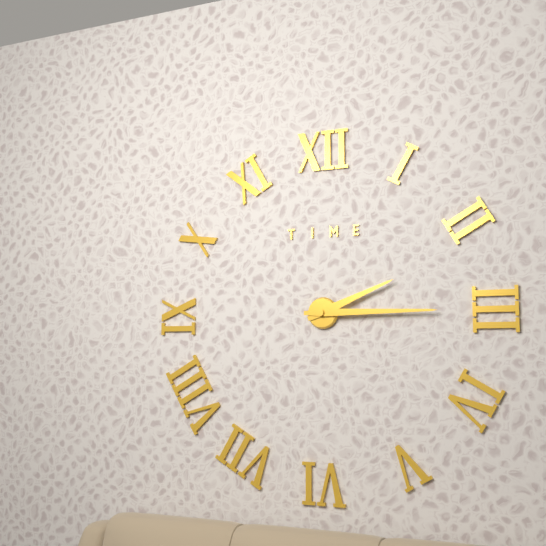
2:15
